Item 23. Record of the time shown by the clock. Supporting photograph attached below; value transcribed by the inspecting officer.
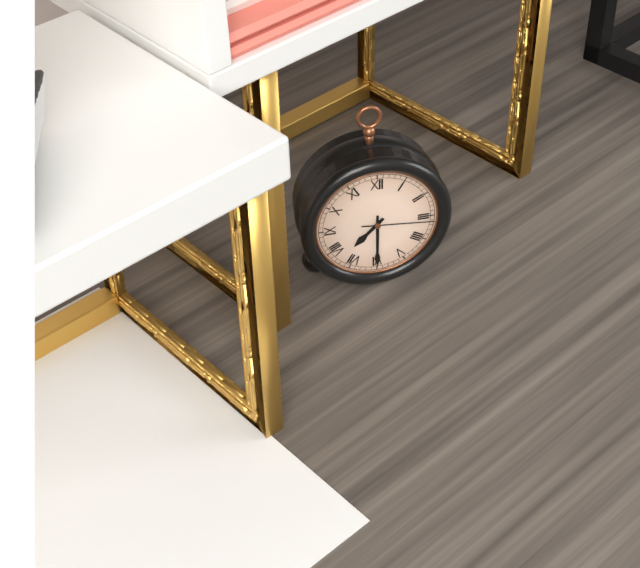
7:30:16
